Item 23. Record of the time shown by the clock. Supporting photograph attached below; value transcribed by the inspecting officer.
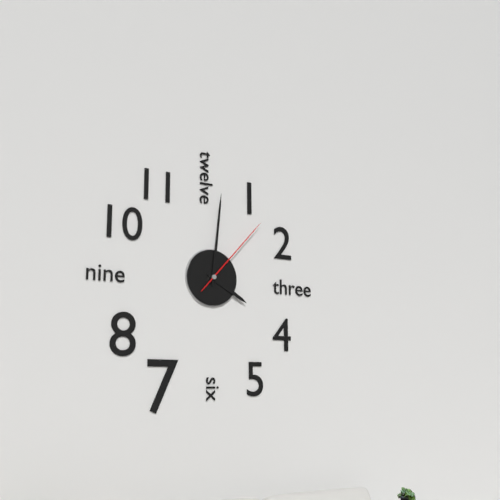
4:01:07
